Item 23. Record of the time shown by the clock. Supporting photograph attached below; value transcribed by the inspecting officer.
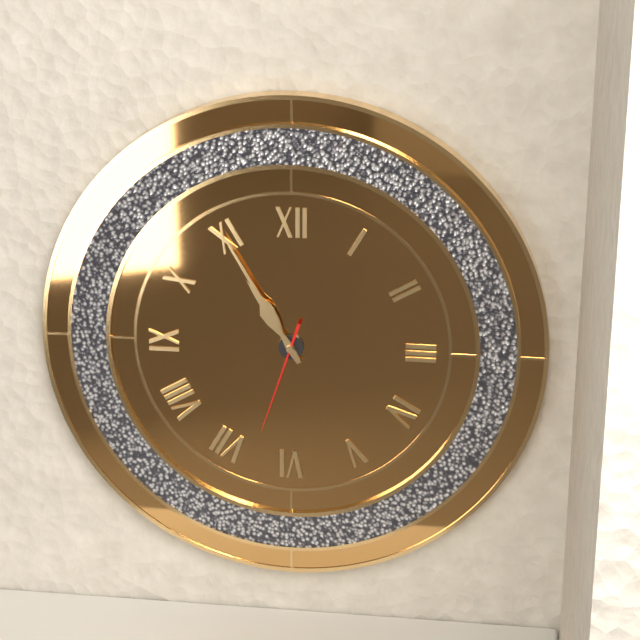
10:55:33
